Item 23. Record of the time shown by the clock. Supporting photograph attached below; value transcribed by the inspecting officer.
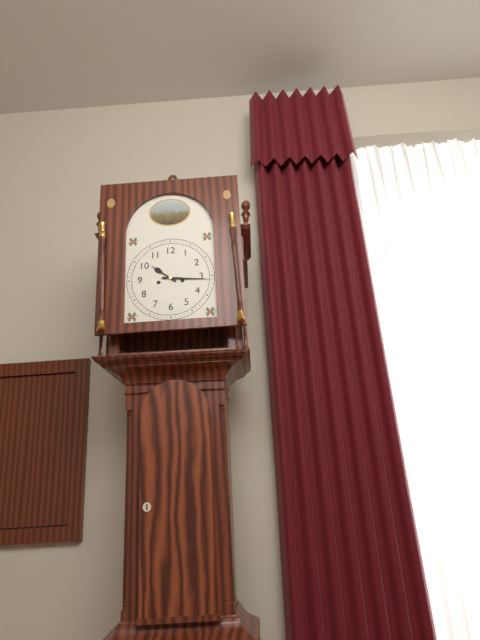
10:16
